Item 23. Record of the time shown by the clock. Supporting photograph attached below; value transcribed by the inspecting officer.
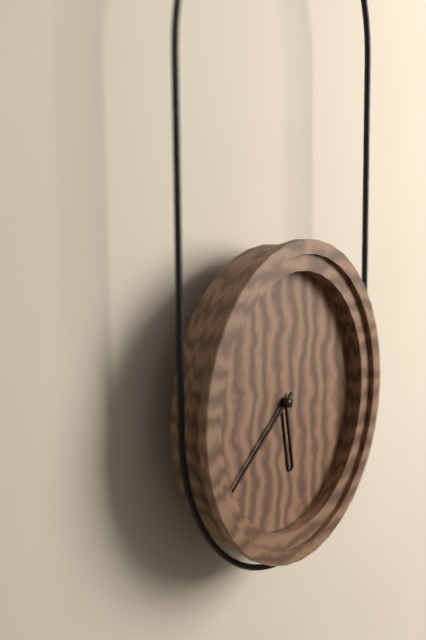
5:39
